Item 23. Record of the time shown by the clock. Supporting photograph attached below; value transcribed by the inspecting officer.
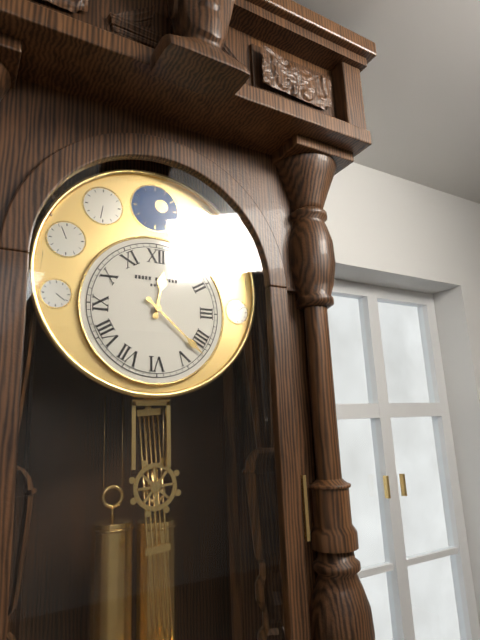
12:22
